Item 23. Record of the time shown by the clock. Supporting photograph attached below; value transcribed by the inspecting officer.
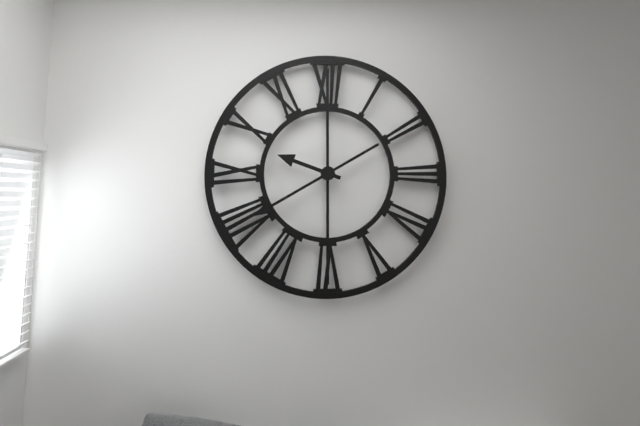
9:40
